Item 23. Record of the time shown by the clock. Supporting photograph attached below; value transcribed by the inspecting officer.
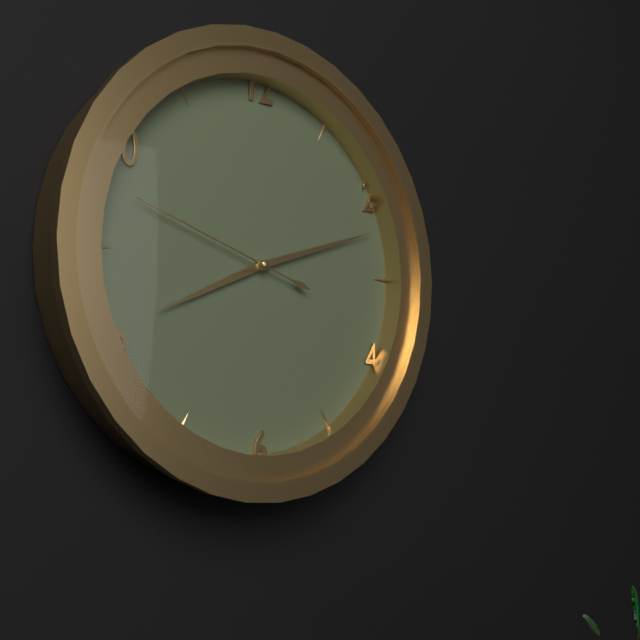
8:12:48
